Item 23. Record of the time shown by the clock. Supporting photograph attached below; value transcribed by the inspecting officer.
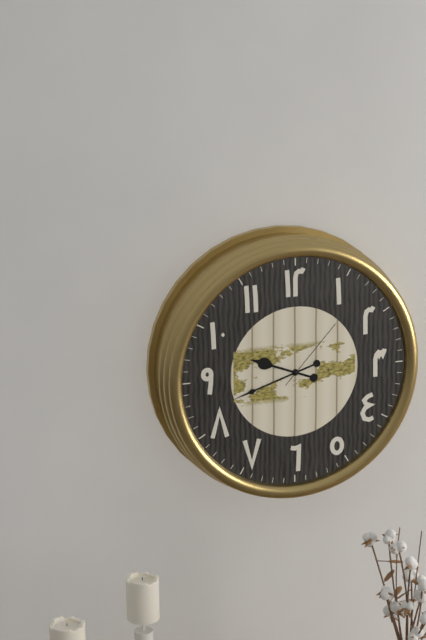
9:42:07
